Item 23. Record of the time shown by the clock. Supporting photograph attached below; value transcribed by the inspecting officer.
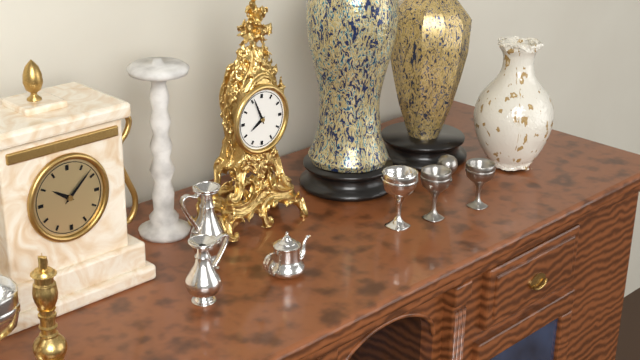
7:56
